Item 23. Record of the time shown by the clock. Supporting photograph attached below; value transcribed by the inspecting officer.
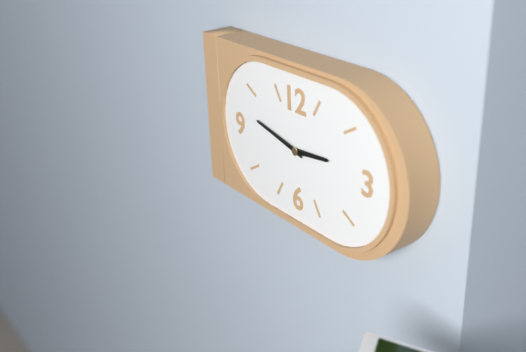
2:47
